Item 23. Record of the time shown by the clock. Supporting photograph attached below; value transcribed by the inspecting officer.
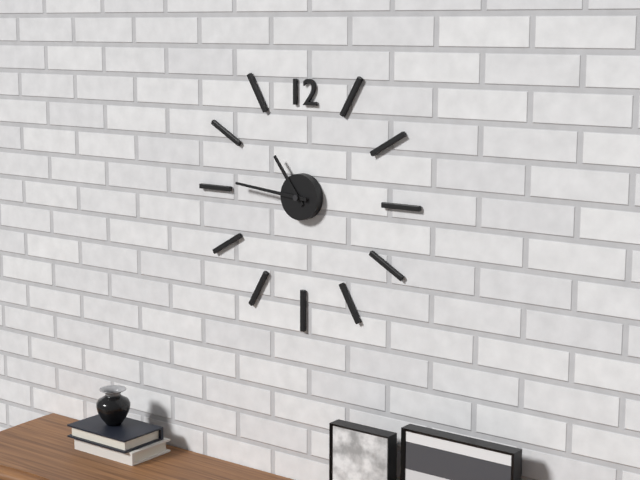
10:46
